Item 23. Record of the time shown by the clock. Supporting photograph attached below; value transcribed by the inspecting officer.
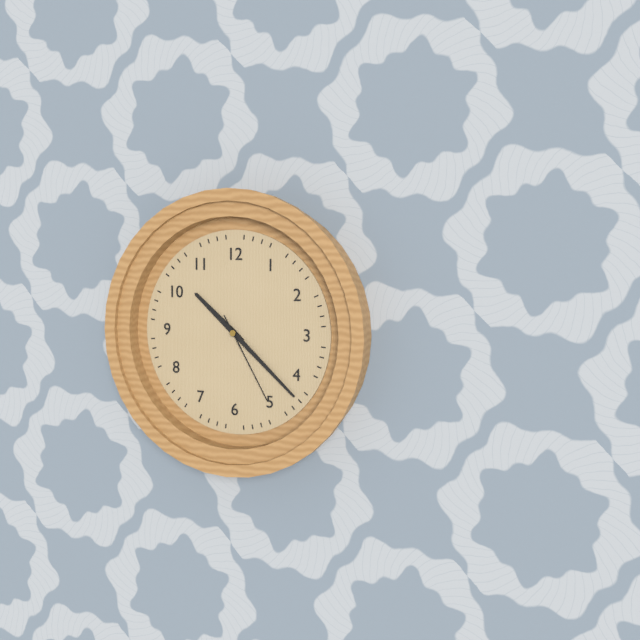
10:22:25
